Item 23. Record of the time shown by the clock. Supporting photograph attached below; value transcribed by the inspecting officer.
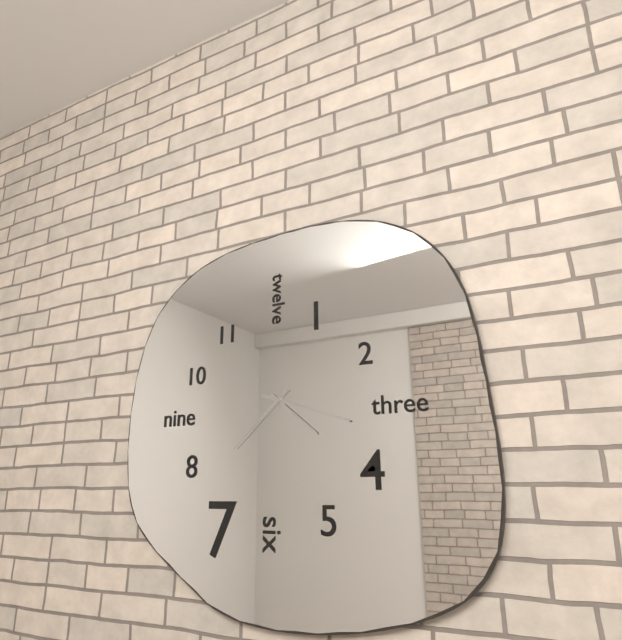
4:18:38
